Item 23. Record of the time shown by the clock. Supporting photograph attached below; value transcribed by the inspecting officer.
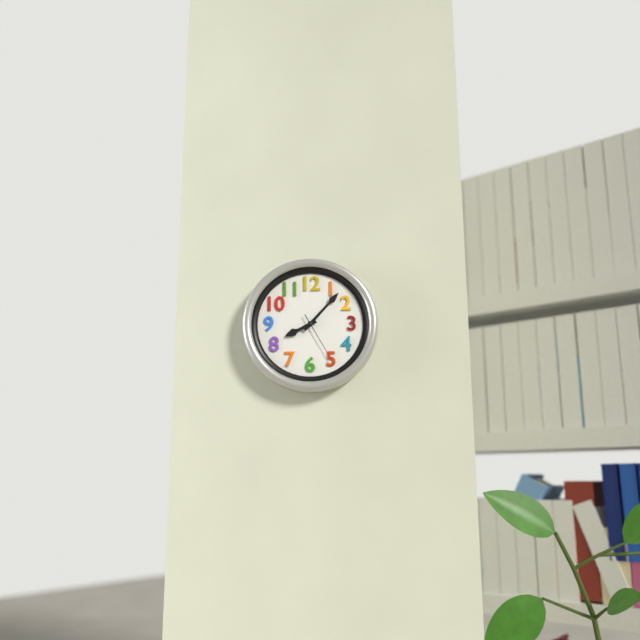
8:07:25
